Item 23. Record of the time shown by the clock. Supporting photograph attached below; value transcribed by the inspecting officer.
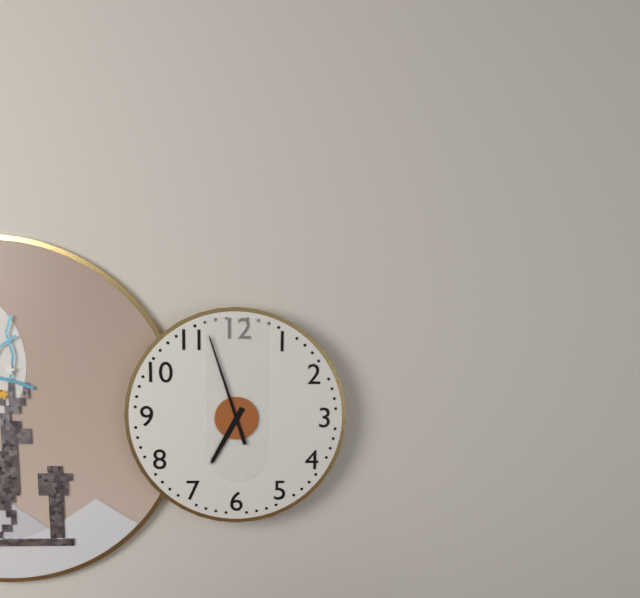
6:57
